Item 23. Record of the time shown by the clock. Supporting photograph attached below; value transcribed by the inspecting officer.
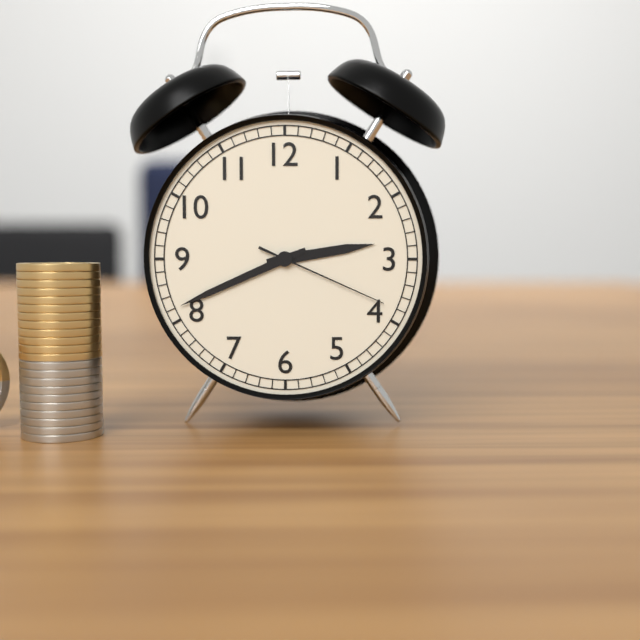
2:41:19
